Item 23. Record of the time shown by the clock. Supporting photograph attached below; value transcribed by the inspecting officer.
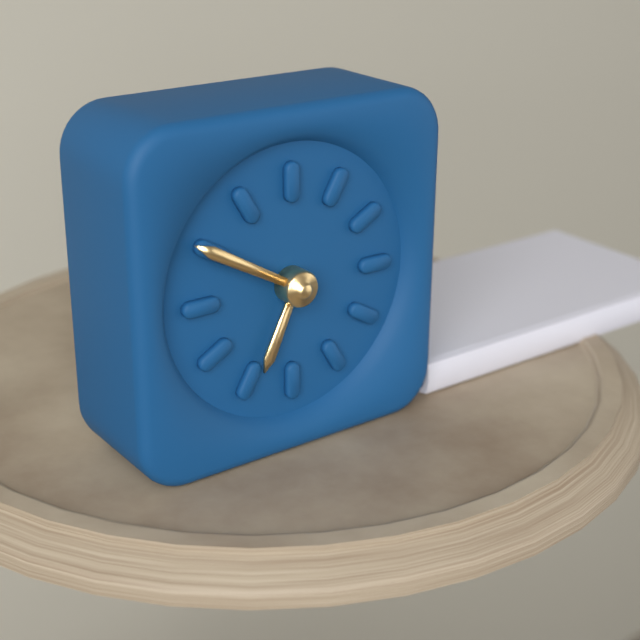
6:50
